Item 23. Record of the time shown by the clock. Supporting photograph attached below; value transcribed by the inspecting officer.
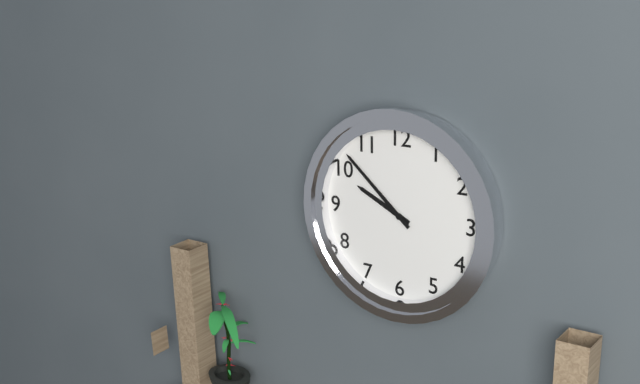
9:52
